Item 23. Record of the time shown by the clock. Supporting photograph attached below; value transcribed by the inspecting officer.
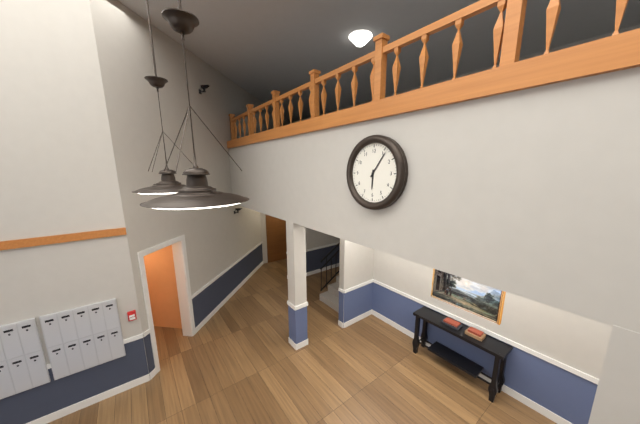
6:06
